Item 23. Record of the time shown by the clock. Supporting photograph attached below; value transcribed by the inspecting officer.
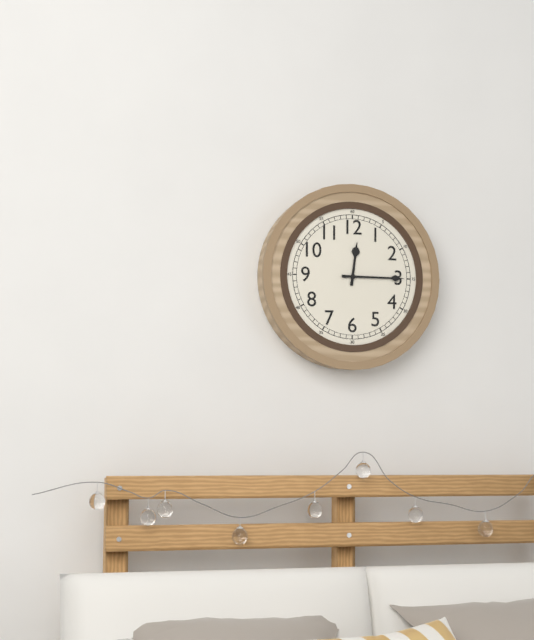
12:15
